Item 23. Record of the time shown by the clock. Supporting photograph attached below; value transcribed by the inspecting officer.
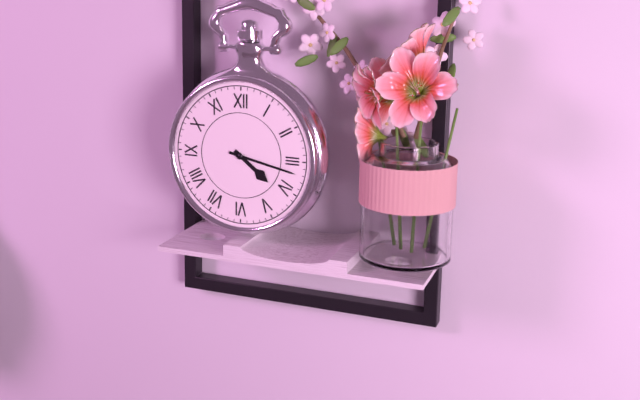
4:17
